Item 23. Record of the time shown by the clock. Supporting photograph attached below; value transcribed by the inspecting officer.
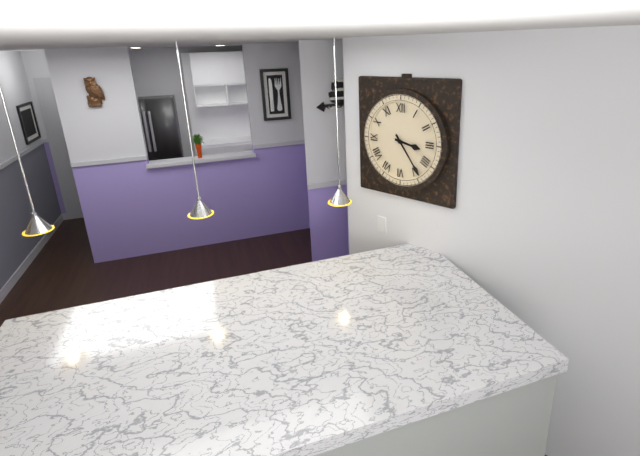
3:24
